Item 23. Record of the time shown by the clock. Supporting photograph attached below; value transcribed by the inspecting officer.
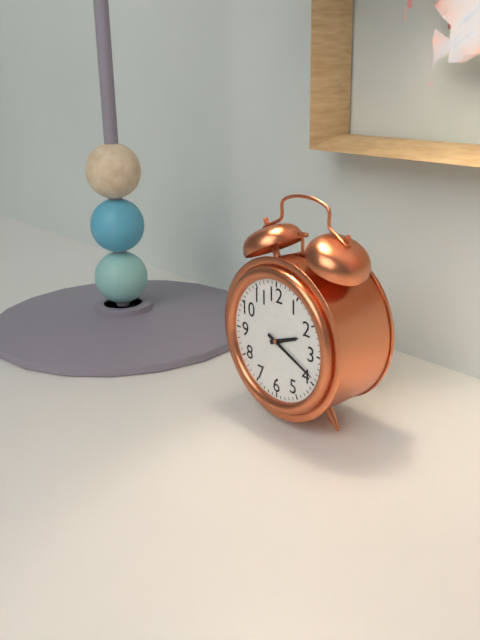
2:19
